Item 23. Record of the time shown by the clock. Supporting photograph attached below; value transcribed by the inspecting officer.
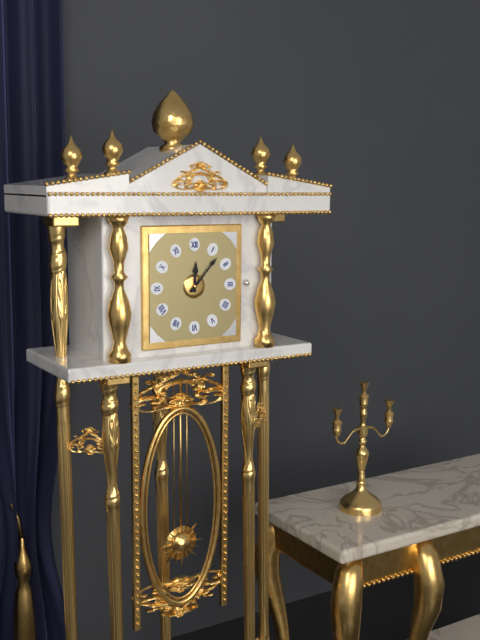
12:07
